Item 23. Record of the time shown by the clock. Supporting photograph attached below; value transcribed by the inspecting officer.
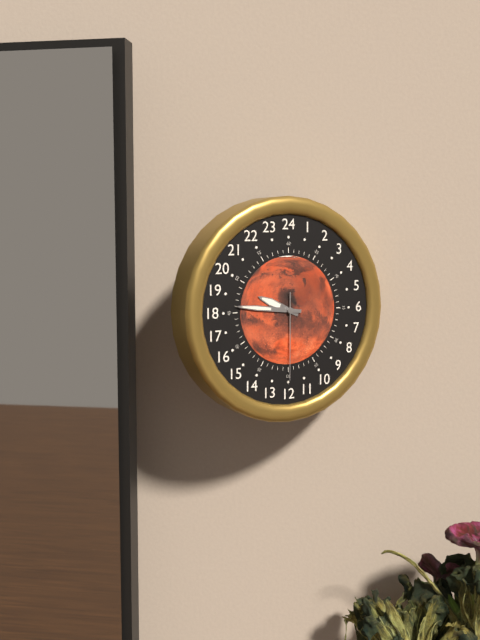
9:46:30
